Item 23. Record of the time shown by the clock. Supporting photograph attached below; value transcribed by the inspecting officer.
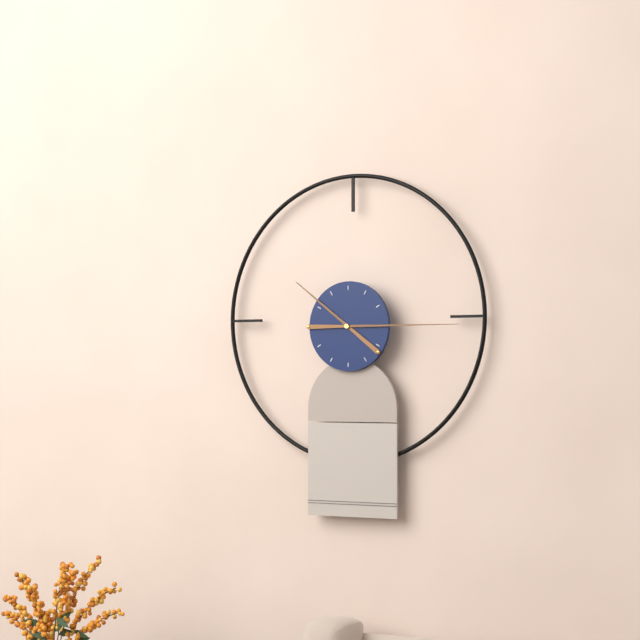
10:15
